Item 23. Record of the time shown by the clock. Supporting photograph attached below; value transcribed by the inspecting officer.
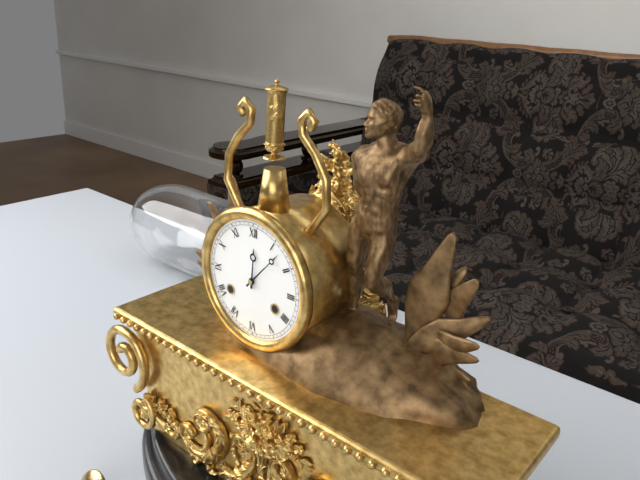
12:07
